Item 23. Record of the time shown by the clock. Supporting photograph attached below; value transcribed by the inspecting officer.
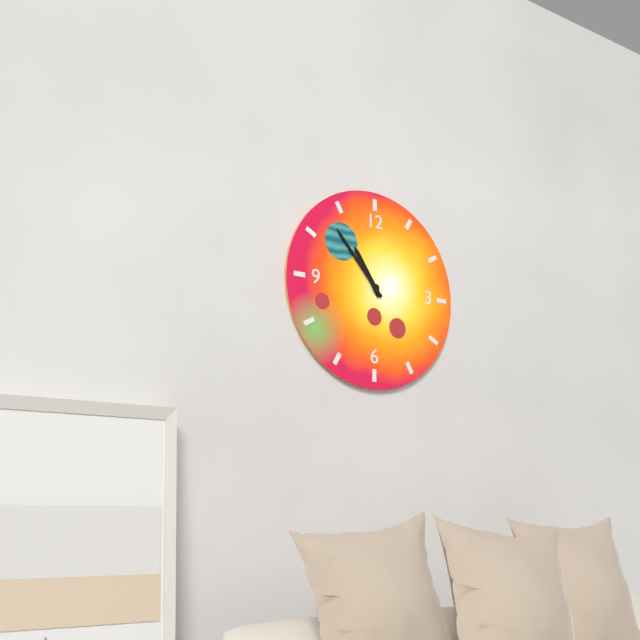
10:53
